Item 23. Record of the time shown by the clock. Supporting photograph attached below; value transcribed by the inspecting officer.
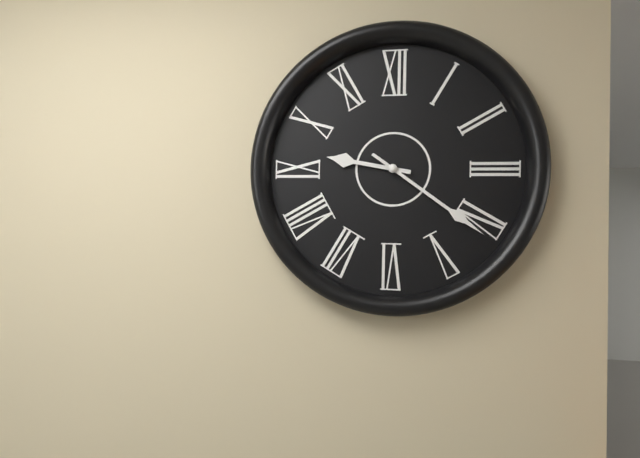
9:21
